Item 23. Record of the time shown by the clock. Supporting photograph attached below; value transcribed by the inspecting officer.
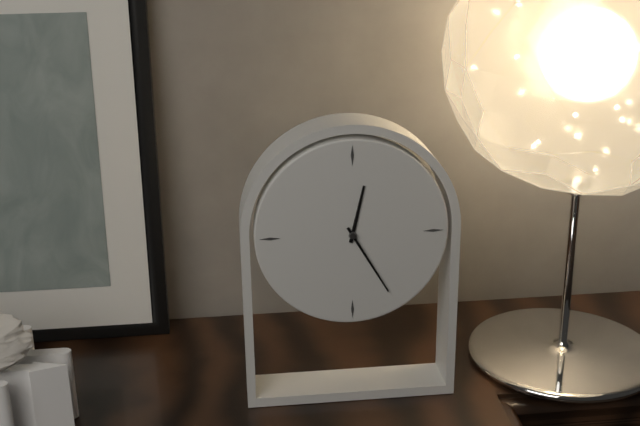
12:25
